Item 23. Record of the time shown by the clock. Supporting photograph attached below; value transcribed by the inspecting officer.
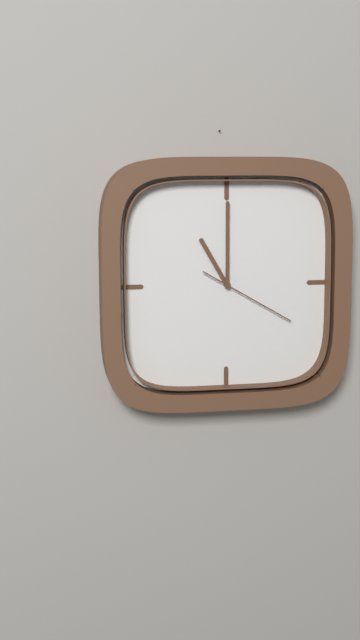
11:00:20
